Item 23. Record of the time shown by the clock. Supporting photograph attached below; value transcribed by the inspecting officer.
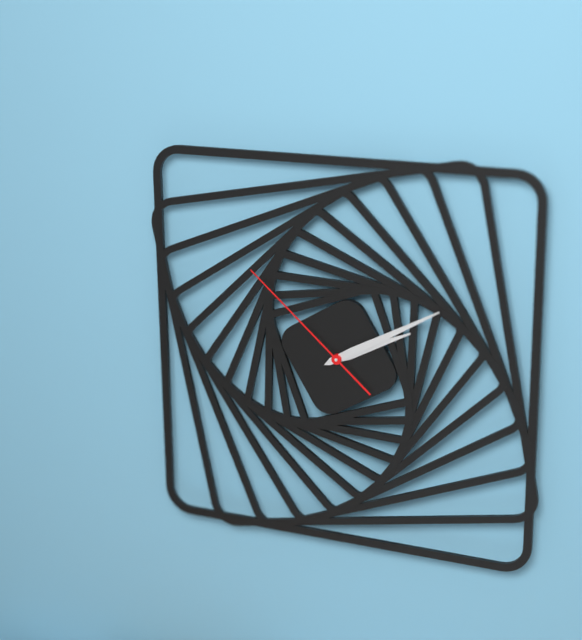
2:10:52
